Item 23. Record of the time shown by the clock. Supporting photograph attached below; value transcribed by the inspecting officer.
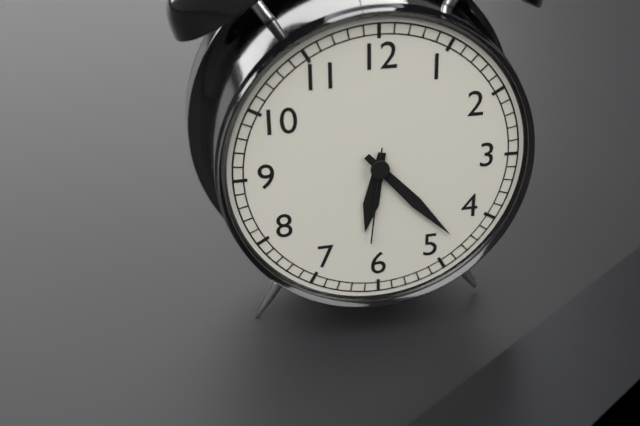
6:23:31
